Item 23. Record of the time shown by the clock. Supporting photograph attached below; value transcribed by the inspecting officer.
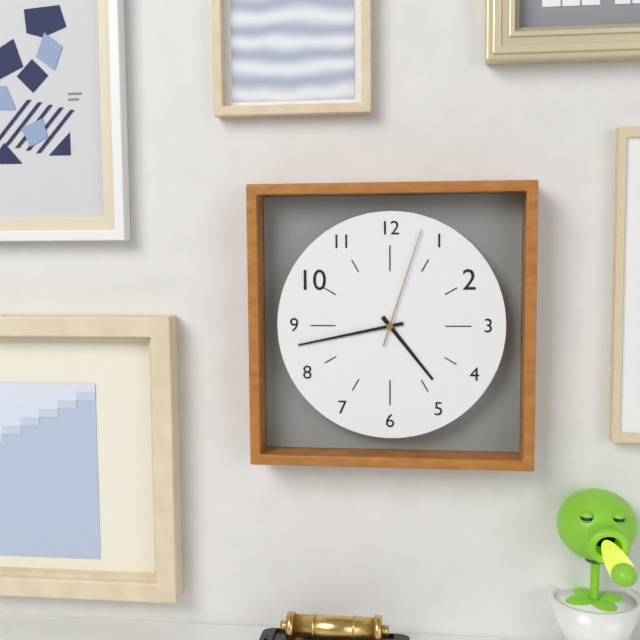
4:43:03
